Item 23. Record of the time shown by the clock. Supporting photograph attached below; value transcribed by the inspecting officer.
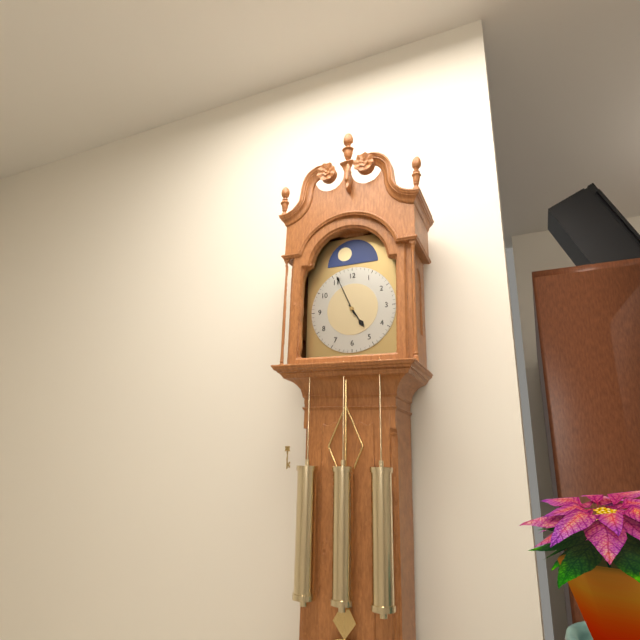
4:56
